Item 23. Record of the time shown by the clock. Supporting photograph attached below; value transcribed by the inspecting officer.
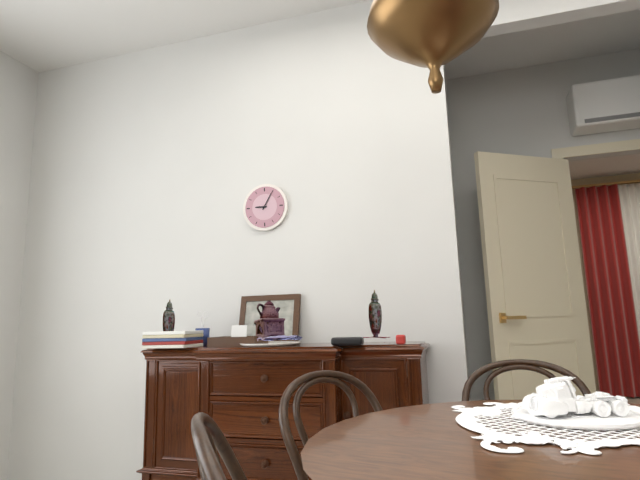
9:05
